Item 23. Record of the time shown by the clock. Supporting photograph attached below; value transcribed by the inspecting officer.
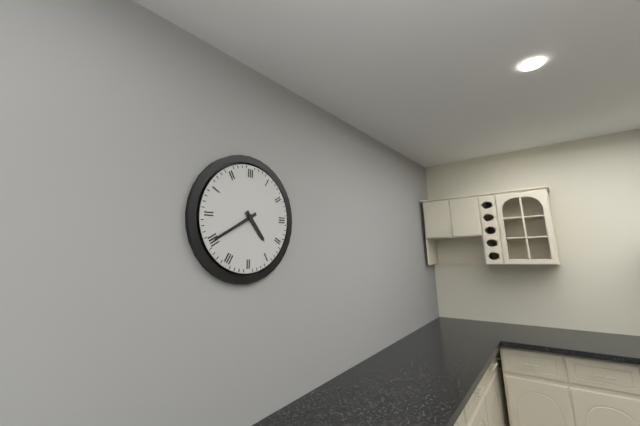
4:40
